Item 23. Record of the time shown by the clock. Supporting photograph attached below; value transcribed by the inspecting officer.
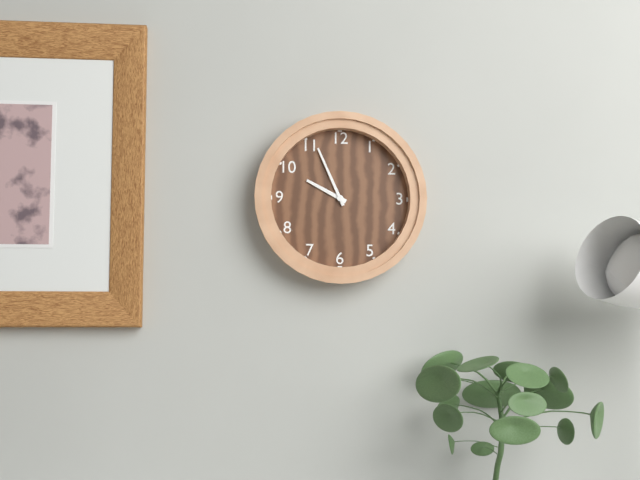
9:56
